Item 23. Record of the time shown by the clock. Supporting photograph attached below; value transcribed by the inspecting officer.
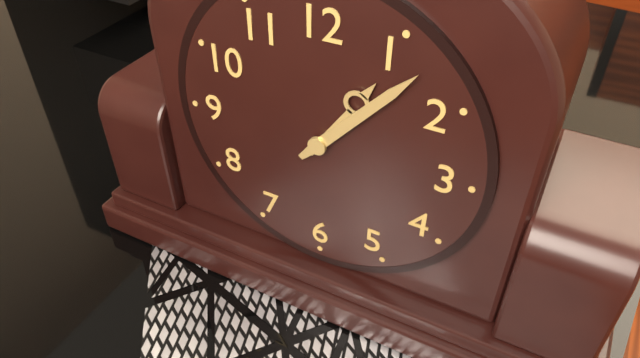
1:07
